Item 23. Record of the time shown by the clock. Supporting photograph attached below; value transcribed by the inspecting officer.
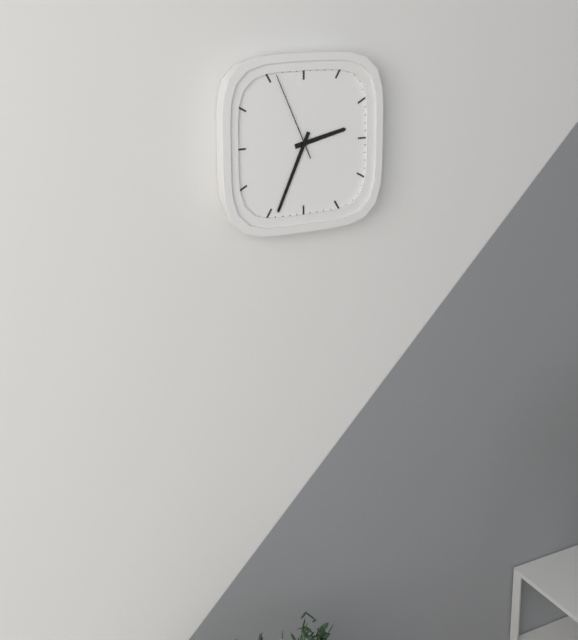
2:34:56
